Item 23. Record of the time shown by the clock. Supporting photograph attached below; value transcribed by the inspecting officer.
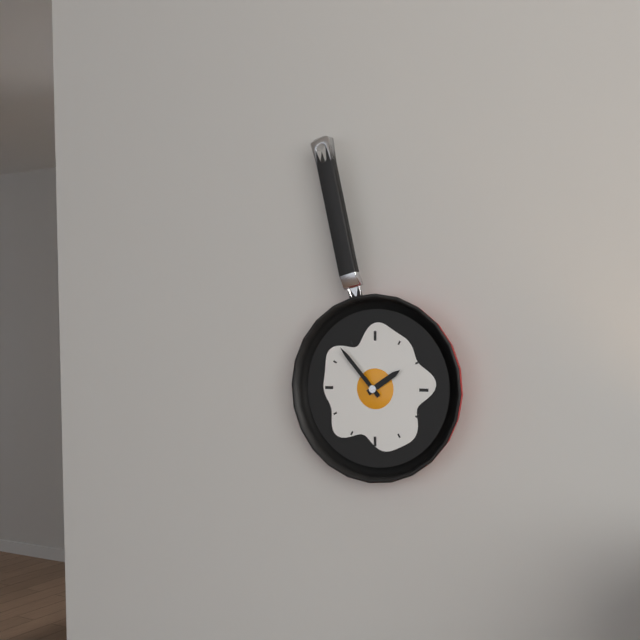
1:53
